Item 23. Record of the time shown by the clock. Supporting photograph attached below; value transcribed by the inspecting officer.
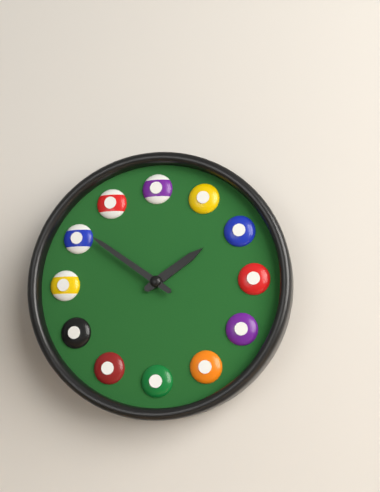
1:51
